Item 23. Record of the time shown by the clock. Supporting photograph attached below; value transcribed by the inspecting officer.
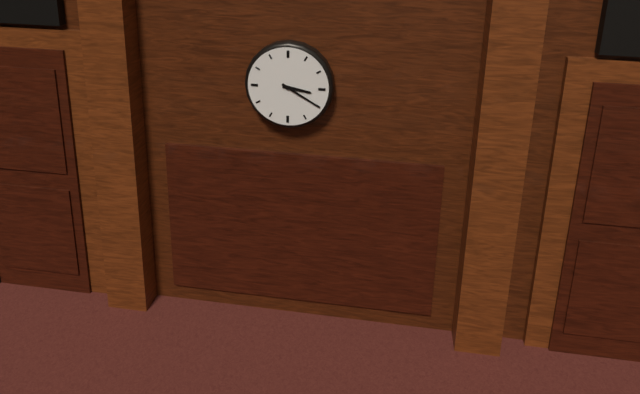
3:20
